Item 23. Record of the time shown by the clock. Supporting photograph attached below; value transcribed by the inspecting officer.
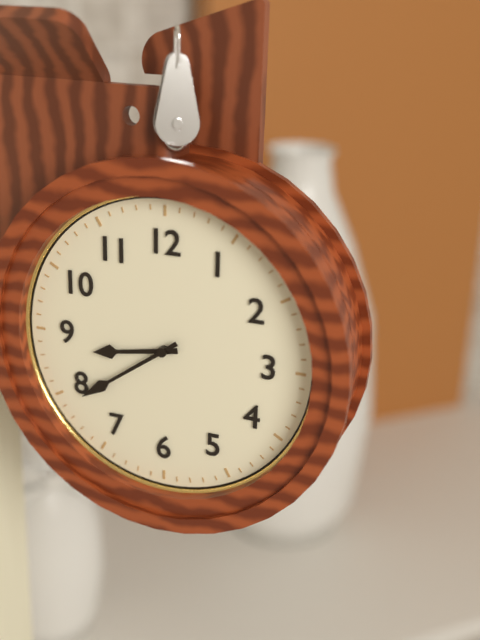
8:39
